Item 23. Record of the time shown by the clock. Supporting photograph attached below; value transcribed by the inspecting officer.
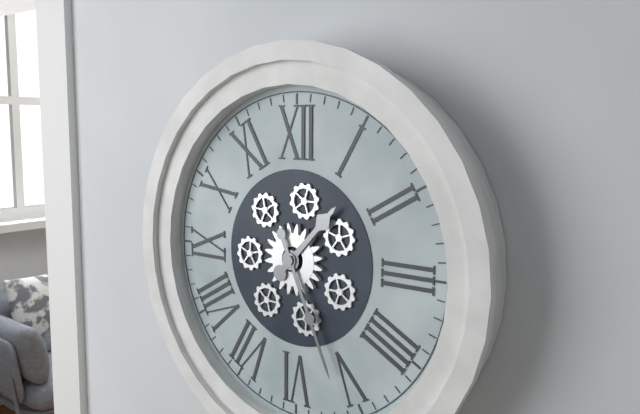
1:26
